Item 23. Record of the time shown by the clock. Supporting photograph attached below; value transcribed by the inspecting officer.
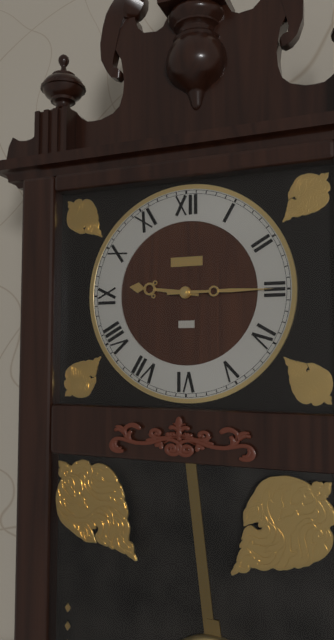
9:15
